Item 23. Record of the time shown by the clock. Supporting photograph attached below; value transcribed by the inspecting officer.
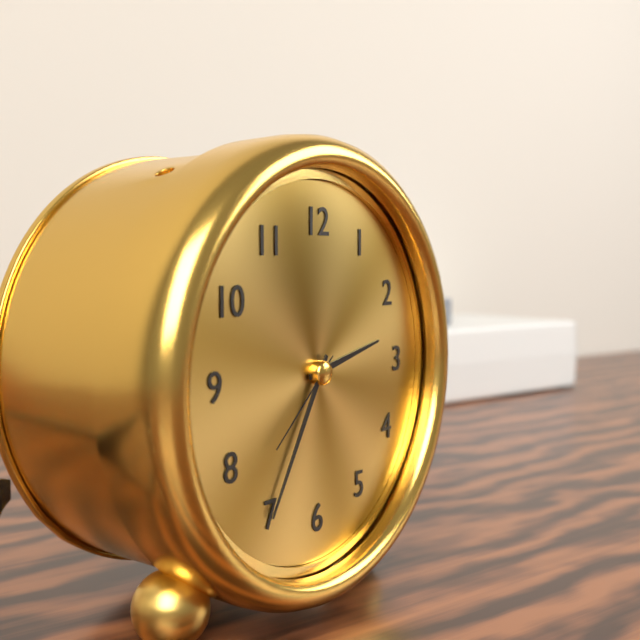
2:35:38
